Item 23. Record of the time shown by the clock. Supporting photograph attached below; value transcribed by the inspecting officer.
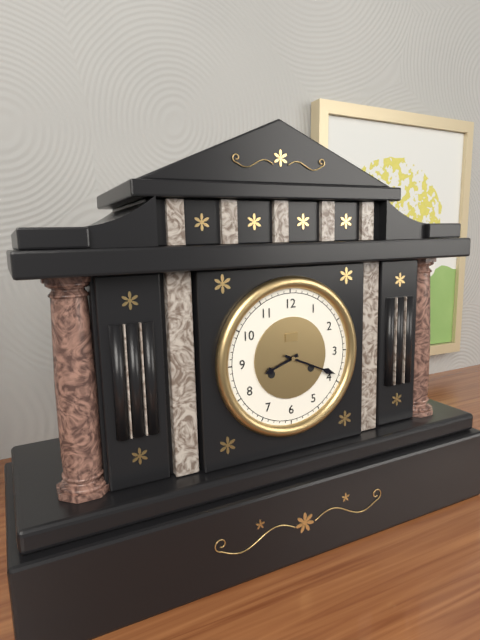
8:19
